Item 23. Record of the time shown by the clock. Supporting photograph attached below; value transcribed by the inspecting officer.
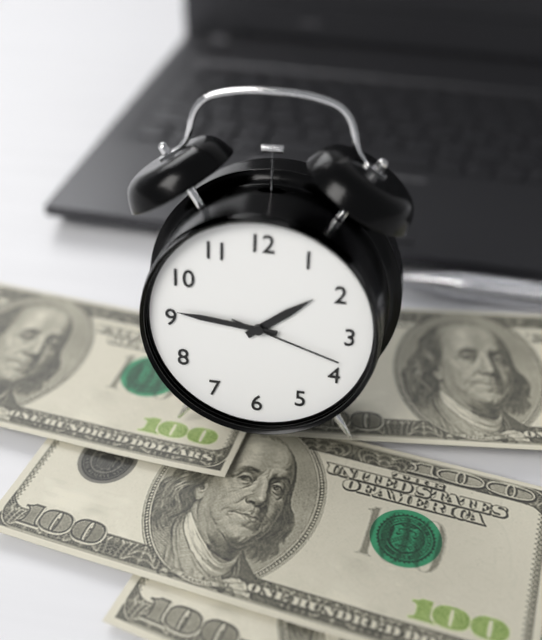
1:46:18
